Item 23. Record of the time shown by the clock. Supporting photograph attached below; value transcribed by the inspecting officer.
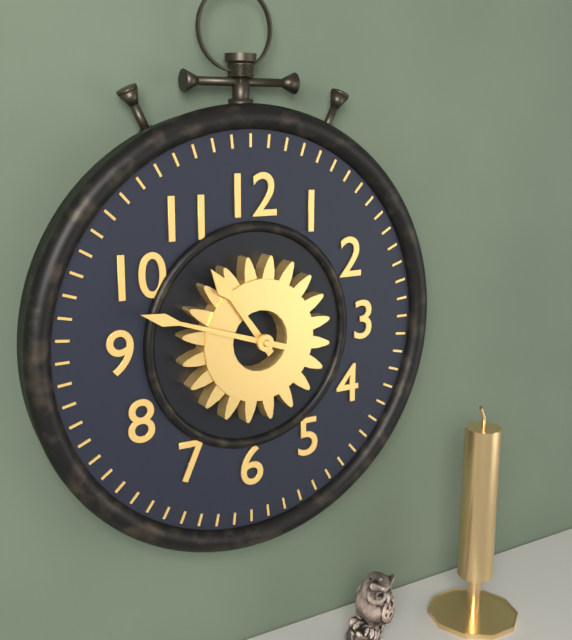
10:48
